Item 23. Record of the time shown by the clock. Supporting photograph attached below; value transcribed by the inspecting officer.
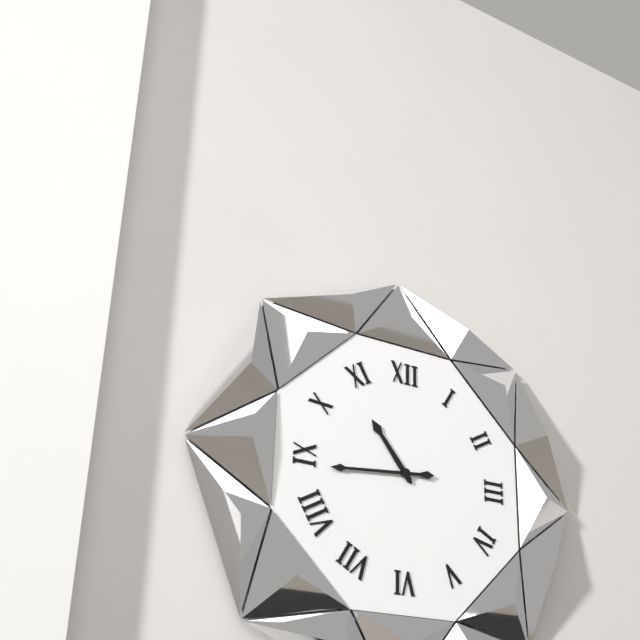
10:44
